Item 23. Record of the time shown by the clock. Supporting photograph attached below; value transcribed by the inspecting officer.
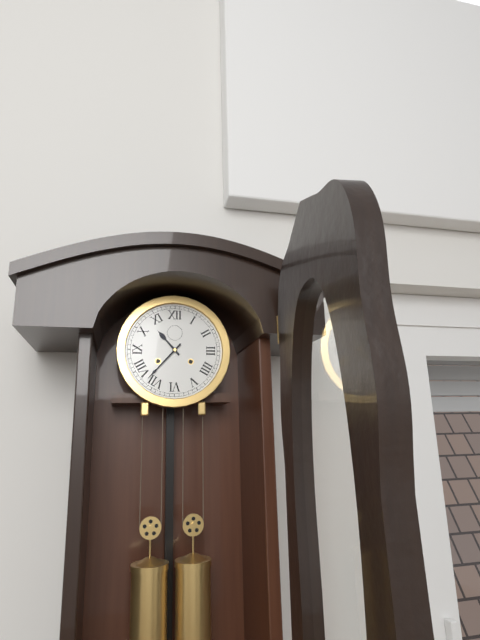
10:37
